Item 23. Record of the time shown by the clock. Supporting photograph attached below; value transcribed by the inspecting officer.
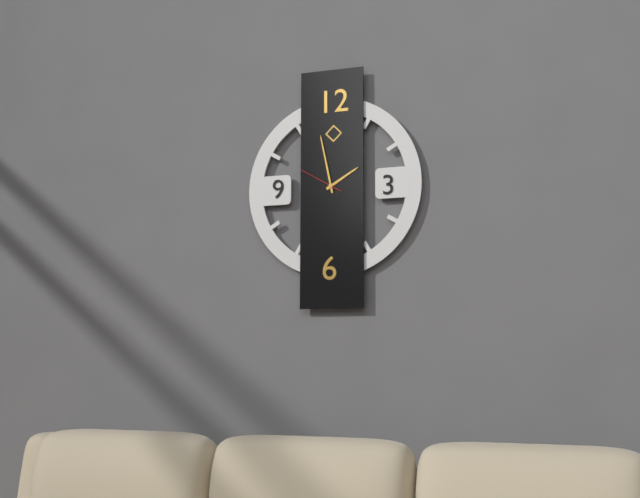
1:58
